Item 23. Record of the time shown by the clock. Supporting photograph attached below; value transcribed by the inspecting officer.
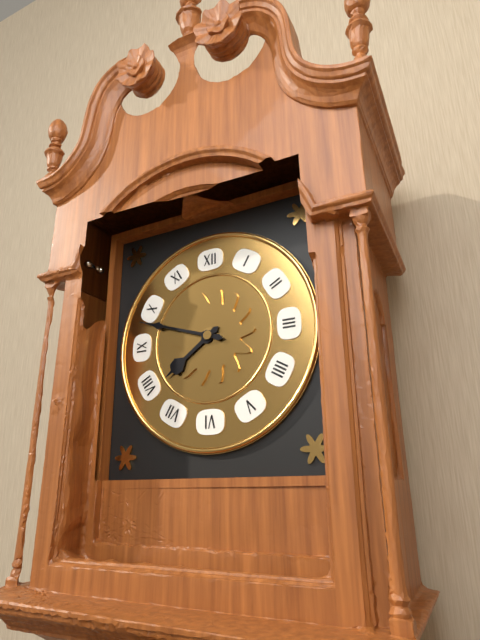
7:48
